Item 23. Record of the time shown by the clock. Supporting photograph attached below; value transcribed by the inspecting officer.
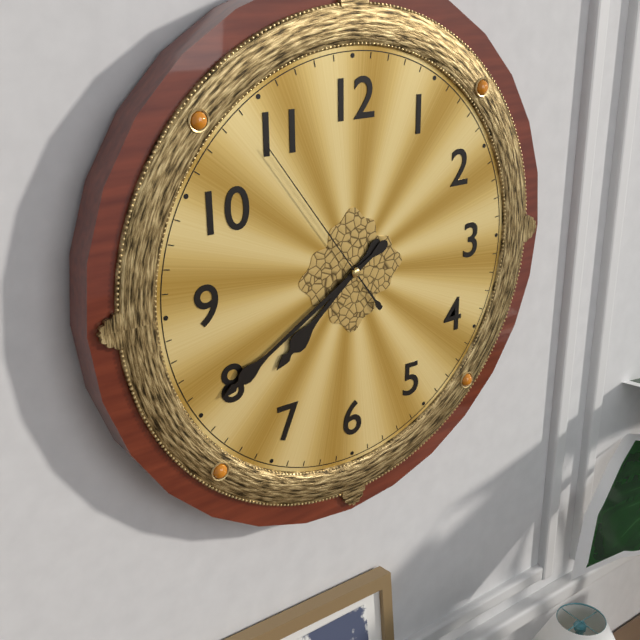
7:40:54
